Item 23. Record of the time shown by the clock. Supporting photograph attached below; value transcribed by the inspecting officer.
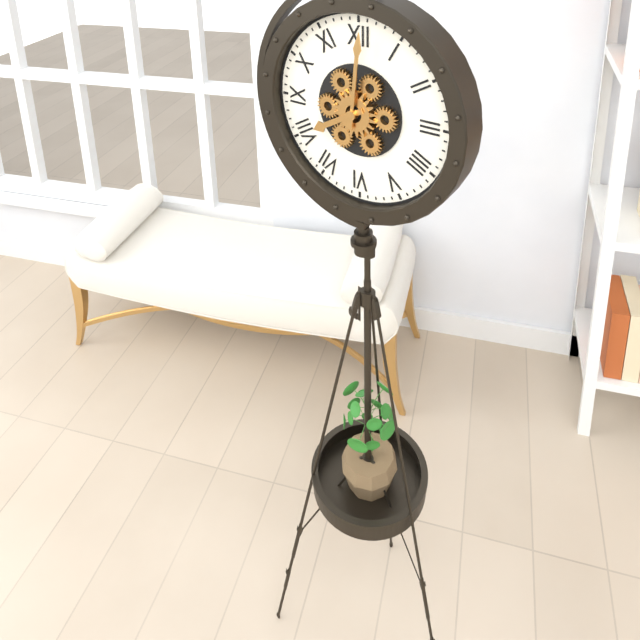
8:01
